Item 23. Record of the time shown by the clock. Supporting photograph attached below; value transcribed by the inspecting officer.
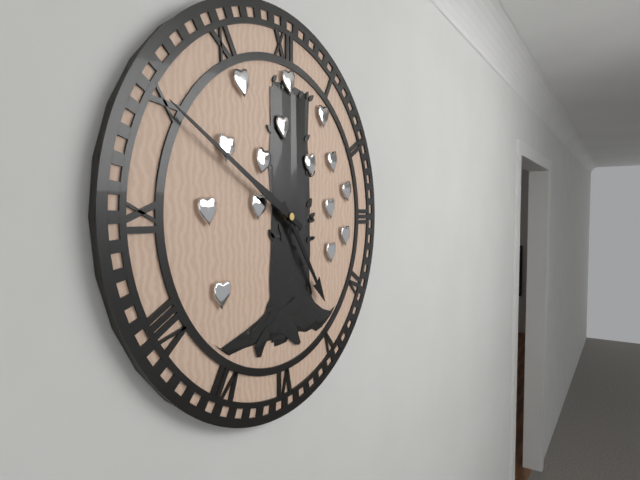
4:50
